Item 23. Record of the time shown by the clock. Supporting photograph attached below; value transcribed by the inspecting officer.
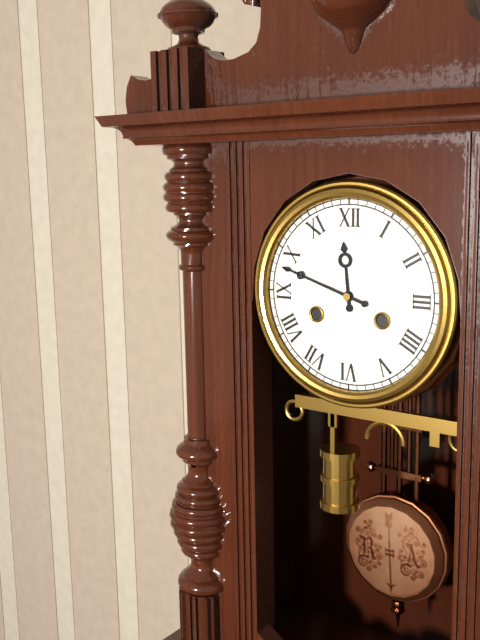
11:48
